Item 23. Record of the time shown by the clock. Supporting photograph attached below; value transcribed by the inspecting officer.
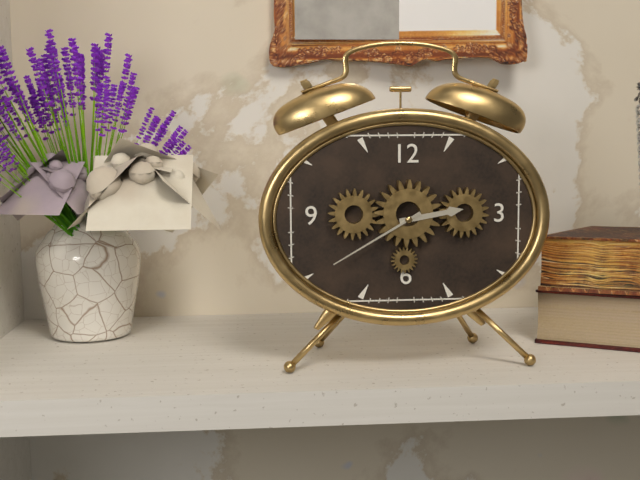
2:40
